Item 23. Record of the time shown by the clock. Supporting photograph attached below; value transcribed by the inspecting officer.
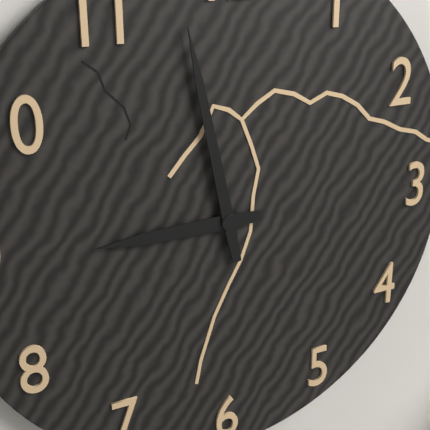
8:58
